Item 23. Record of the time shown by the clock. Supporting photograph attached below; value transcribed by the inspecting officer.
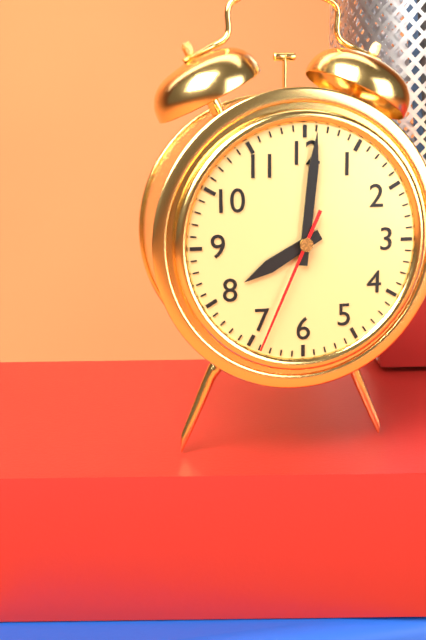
8:01:34
